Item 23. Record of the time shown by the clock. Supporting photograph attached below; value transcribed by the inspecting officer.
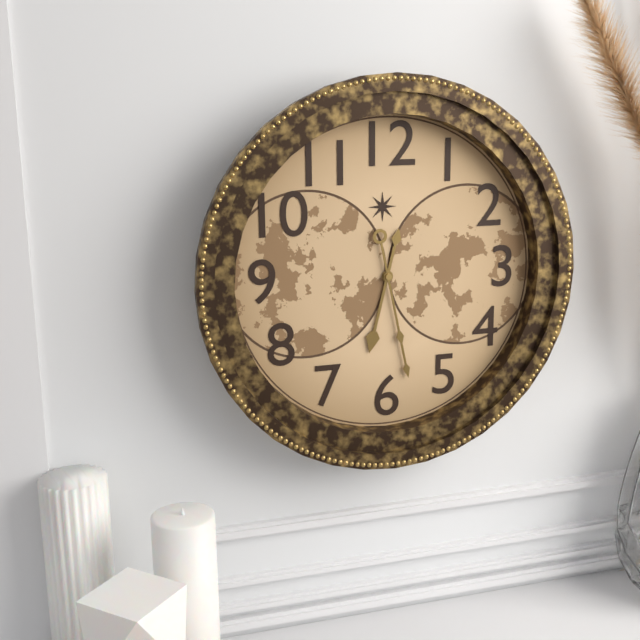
6:28
